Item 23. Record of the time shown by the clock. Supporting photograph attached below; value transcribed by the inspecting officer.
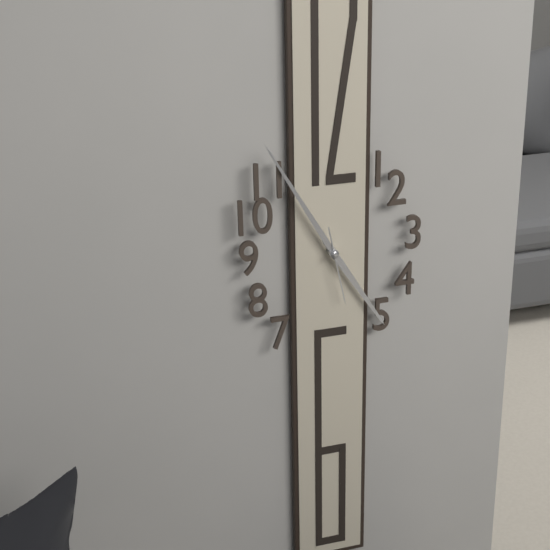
4:55:28
